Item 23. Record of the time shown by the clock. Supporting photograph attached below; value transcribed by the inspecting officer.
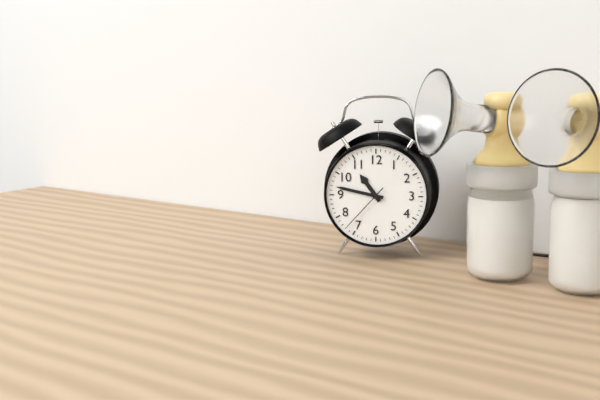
10:47:37
